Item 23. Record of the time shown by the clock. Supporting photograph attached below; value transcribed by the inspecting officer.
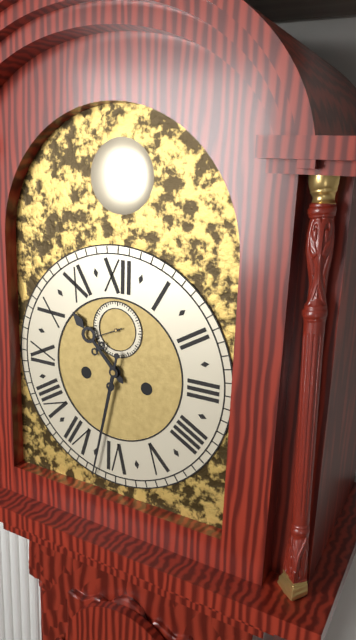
10:32
